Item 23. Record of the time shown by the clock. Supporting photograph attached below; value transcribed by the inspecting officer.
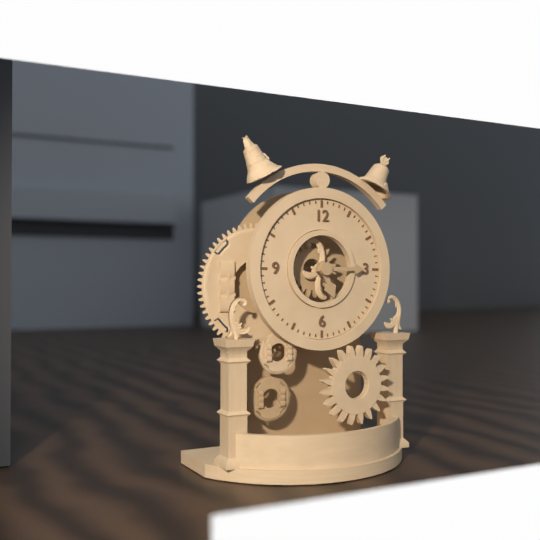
5:15
